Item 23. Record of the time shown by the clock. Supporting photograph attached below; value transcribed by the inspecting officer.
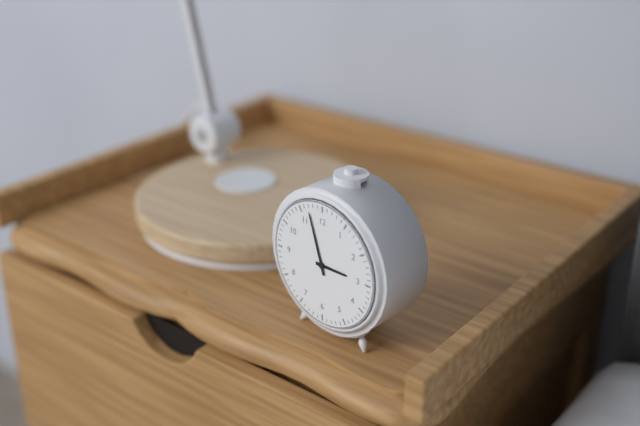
2:57
